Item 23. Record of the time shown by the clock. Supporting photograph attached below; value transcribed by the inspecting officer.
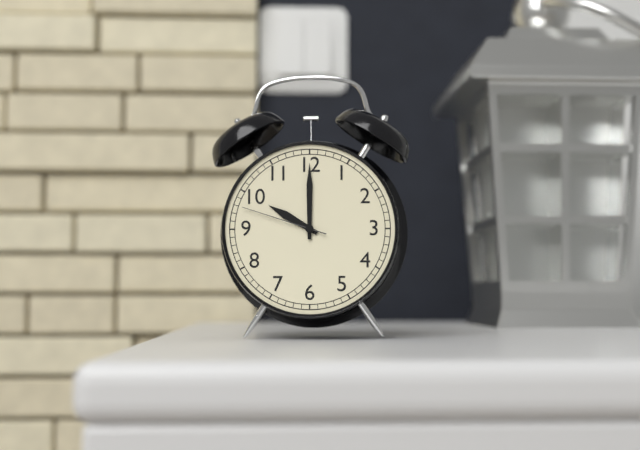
10:00:48
